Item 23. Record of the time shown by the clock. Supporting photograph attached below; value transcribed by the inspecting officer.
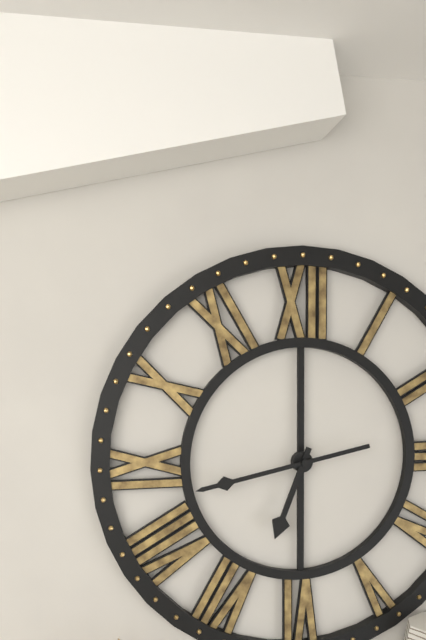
6:43
